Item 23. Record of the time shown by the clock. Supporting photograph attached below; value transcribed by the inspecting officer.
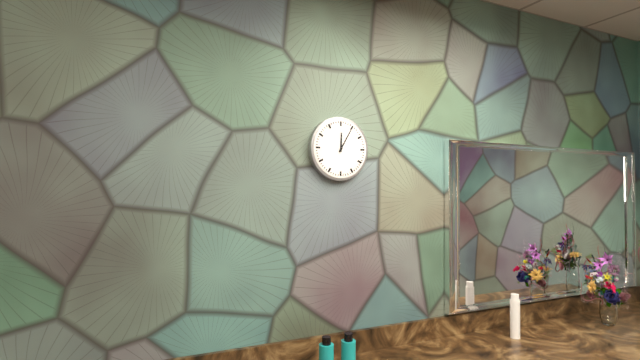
12:05
